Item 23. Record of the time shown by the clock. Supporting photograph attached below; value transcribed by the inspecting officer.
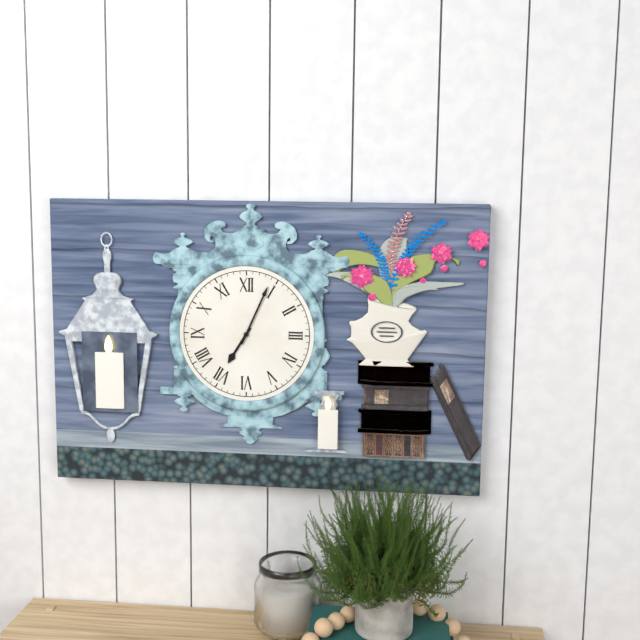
7:04
